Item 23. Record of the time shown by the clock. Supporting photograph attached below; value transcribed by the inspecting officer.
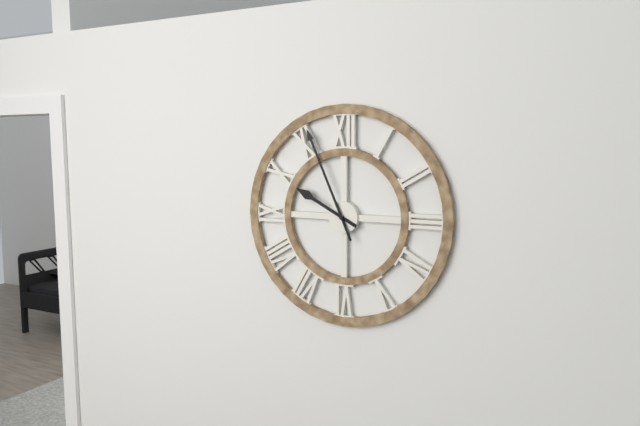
9:56
